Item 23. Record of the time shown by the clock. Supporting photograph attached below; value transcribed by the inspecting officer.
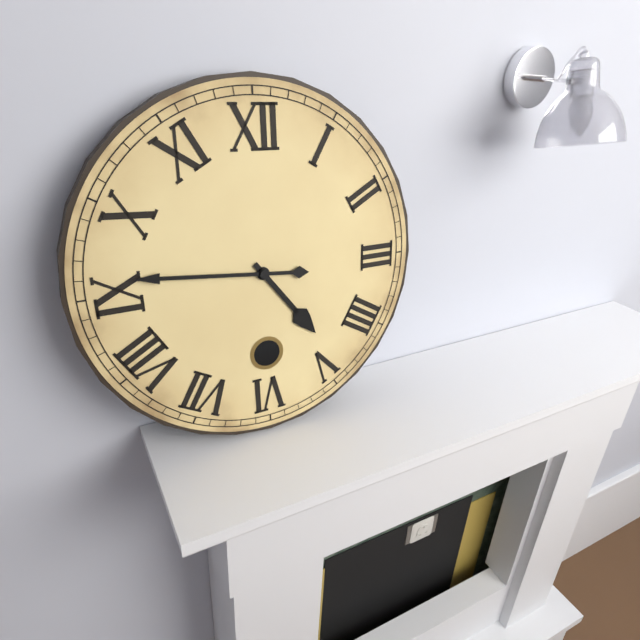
4:46
